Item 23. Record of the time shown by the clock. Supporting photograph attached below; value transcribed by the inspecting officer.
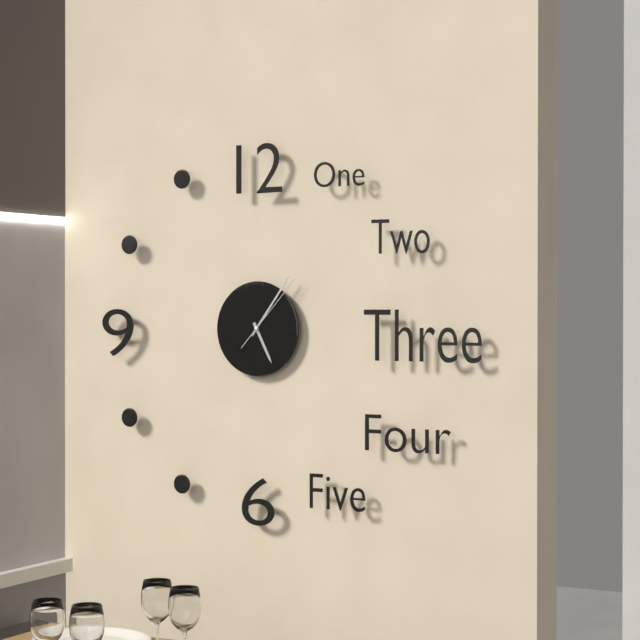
5:06:07
